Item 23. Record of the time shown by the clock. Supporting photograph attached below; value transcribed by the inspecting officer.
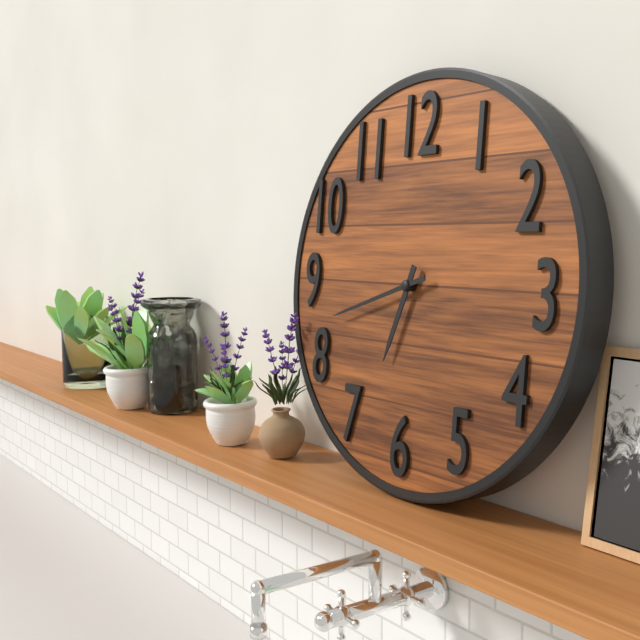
6:42
